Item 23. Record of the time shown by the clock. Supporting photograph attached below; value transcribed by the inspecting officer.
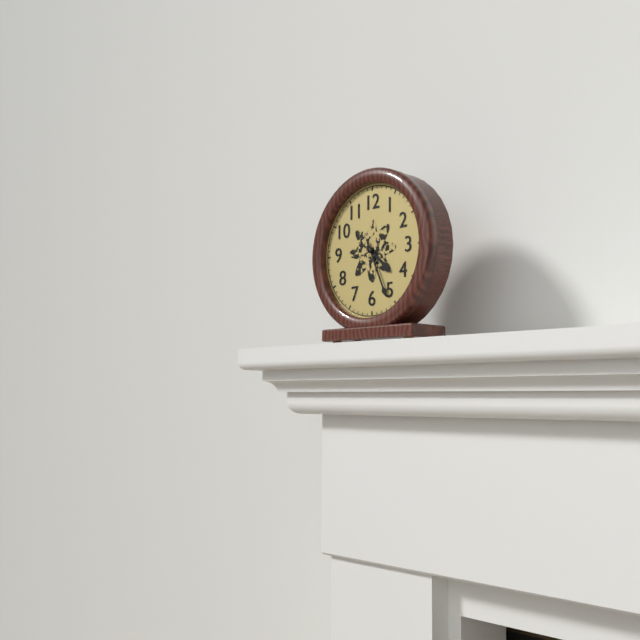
4:26
